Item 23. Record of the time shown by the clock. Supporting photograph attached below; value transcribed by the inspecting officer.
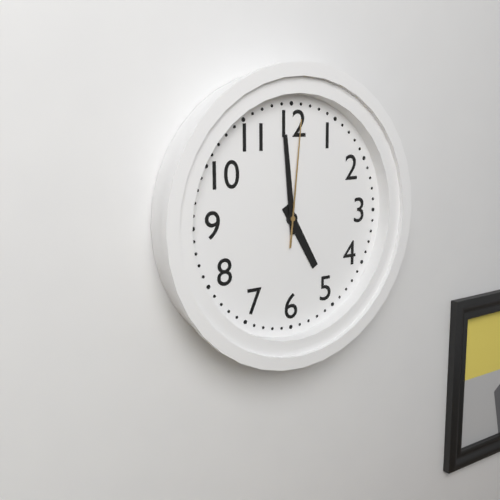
4:59:01
